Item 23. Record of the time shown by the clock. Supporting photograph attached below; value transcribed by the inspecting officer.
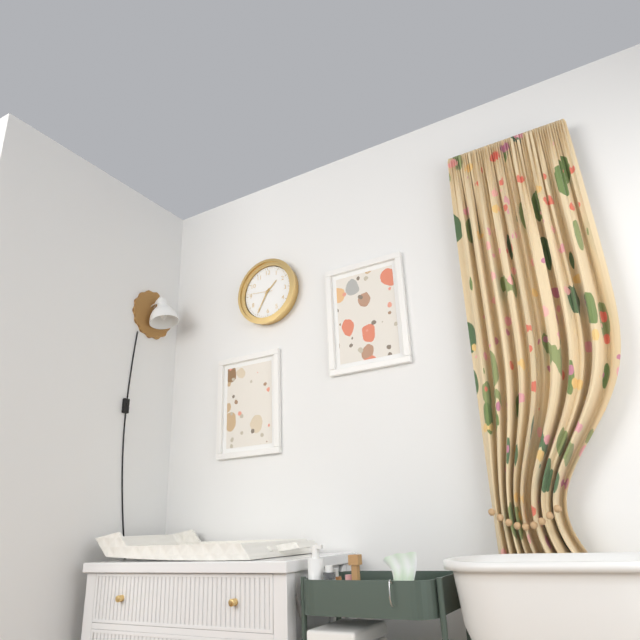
1:35
